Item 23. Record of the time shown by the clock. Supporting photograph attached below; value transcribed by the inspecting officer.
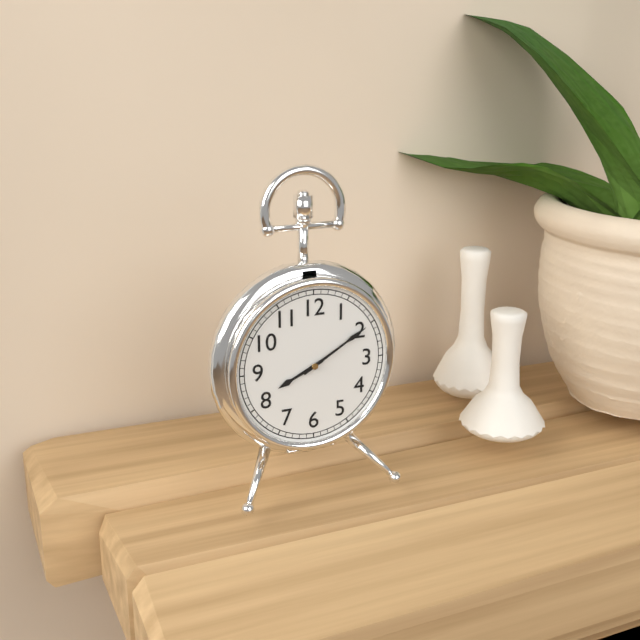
8:10
